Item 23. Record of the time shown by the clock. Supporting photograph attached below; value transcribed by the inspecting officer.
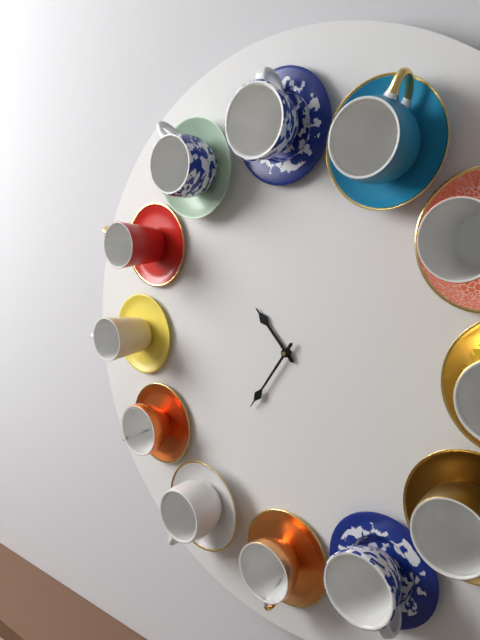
10:36
